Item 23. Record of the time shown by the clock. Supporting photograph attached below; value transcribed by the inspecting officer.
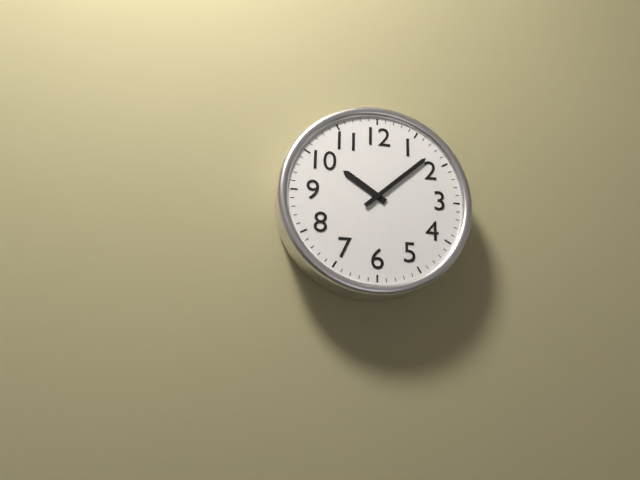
10:08
